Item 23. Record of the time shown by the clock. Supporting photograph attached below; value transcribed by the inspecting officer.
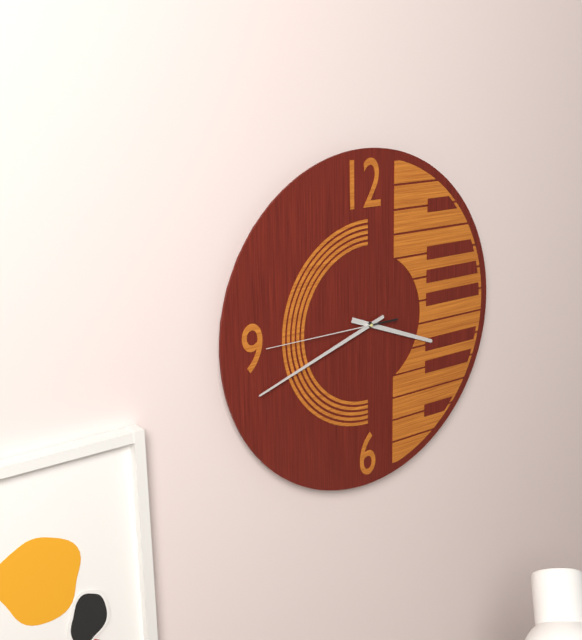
3:42:45
